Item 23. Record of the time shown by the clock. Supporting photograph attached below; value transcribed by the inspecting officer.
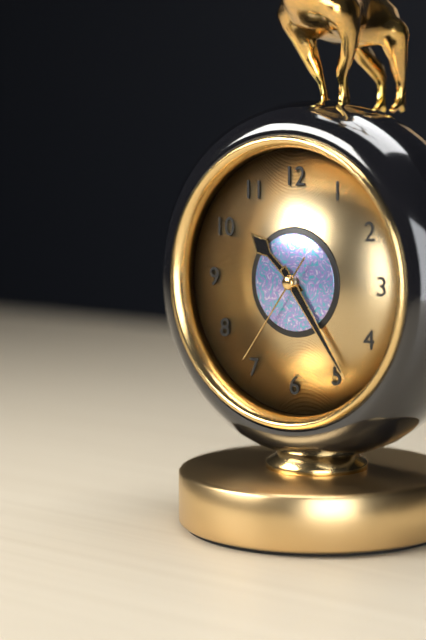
10:24:36
